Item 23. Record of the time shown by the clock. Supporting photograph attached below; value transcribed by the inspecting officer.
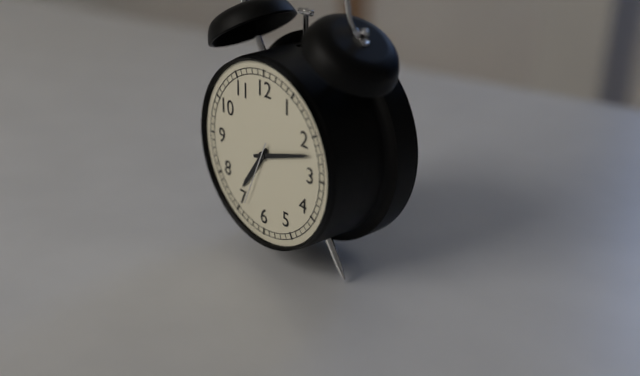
7:12:34
